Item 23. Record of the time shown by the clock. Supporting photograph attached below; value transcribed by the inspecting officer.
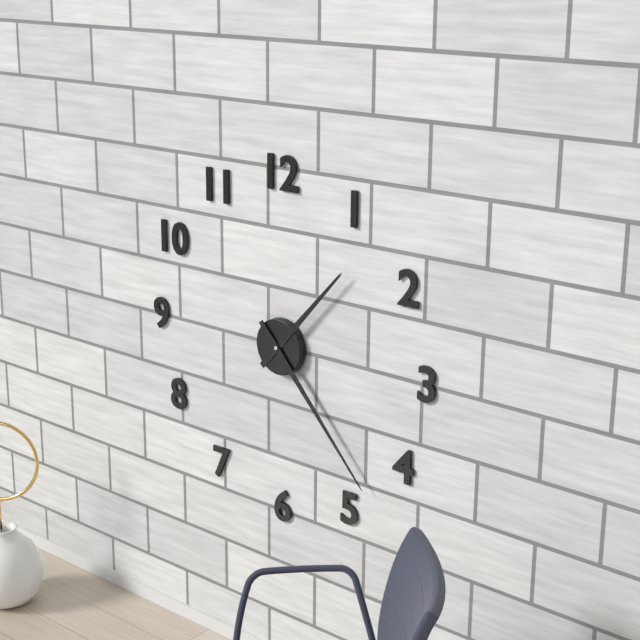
1:23
